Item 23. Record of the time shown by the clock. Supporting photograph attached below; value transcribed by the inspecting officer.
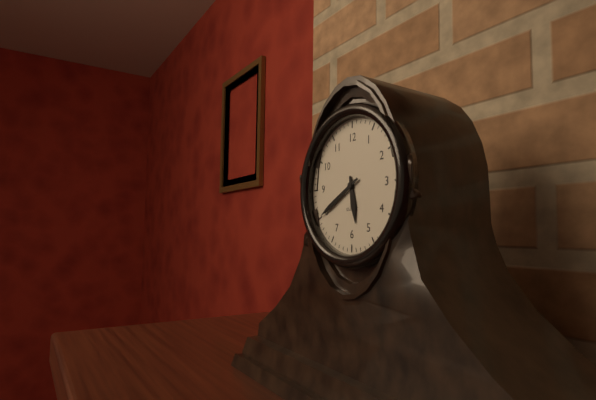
5:40
